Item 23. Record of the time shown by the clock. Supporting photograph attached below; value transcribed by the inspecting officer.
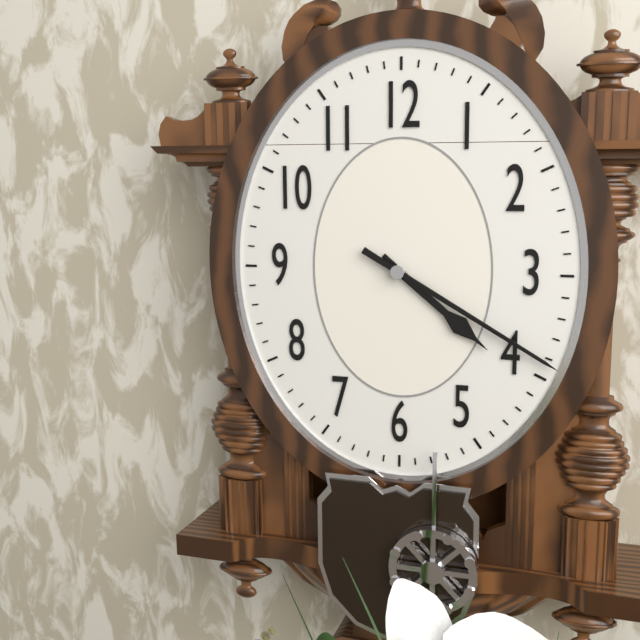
4:20
